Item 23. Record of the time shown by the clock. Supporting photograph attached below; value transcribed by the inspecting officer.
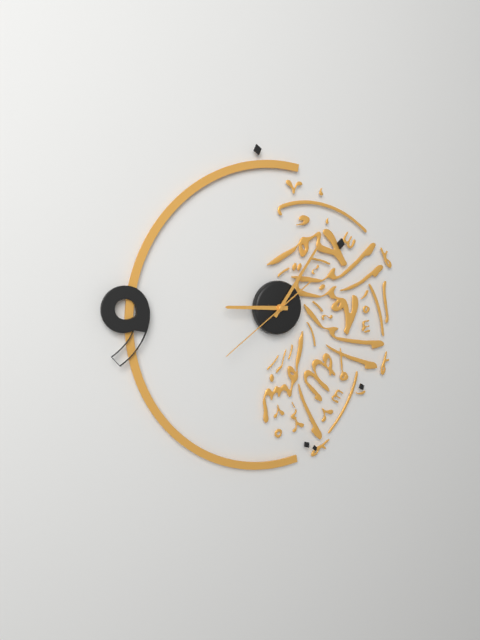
9:06:39
